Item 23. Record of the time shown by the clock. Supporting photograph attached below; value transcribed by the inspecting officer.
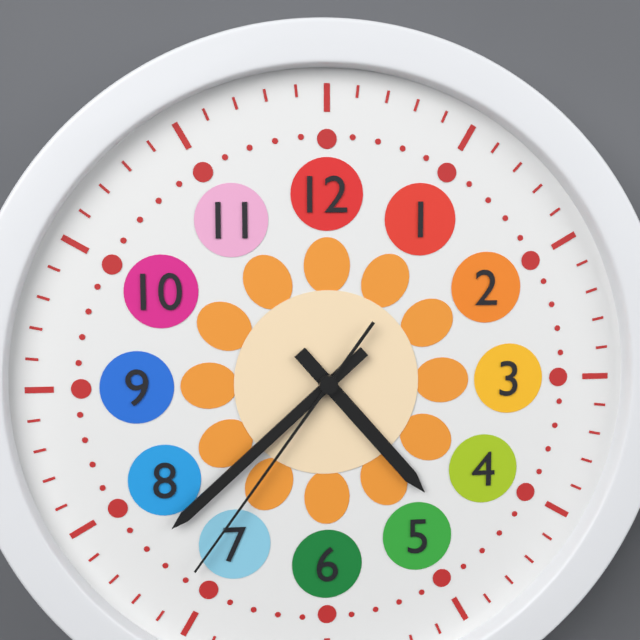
4:38:36
